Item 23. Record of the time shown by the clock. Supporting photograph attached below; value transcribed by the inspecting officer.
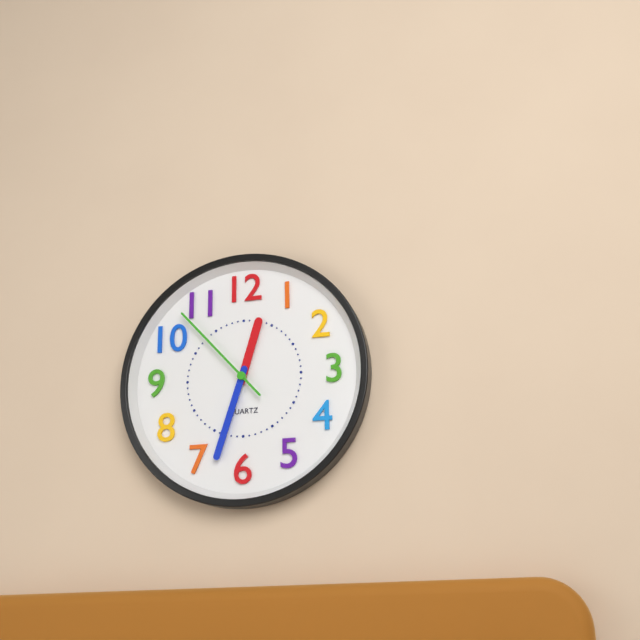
12:33:53
